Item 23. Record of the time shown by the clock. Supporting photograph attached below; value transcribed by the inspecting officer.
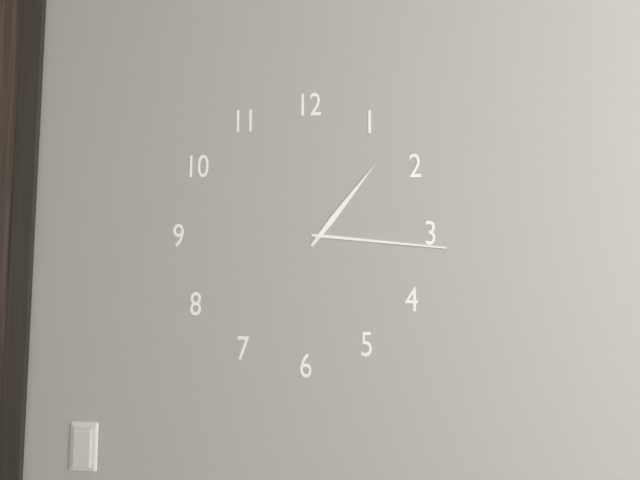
1:16
